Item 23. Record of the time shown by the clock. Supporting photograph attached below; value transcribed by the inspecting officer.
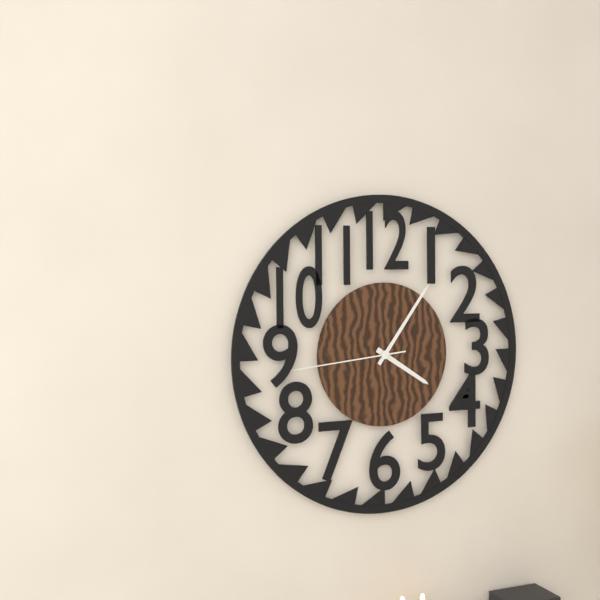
4:06:44
